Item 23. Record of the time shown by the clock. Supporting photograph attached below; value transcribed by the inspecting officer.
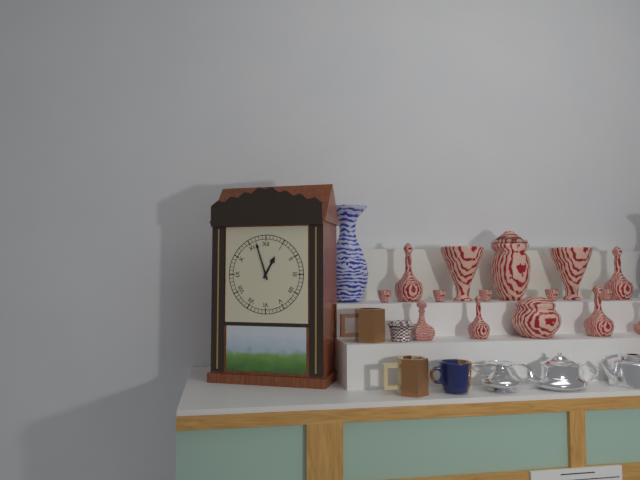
12:57
